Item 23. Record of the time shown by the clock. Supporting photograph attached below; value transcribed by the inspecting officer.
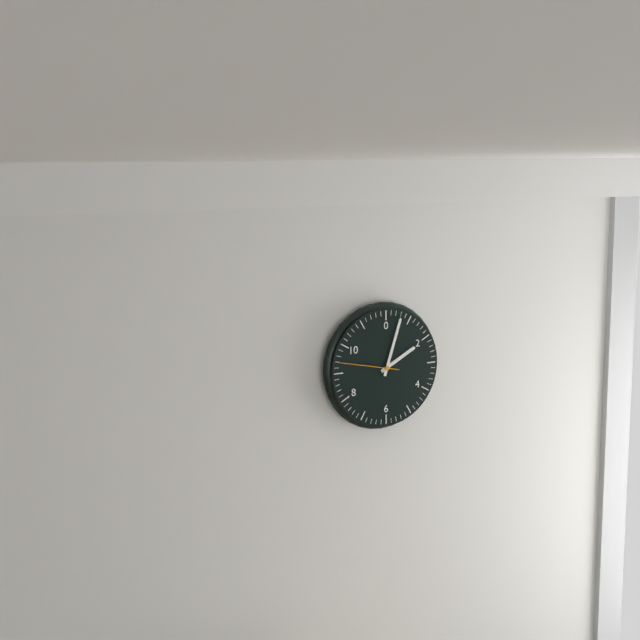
2:03
